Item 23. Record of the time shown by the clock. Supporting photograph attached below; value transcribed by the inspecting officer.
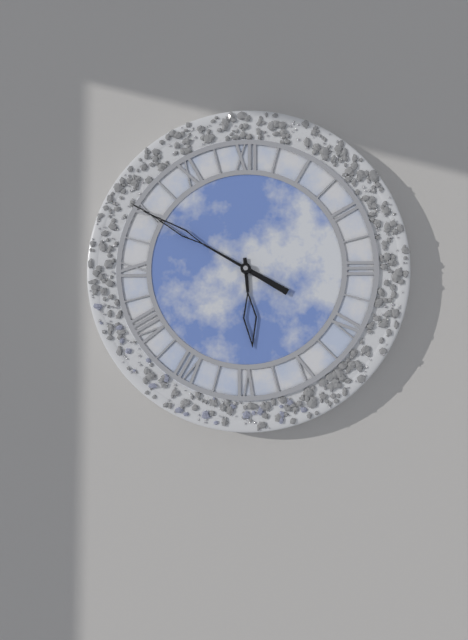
5:50
